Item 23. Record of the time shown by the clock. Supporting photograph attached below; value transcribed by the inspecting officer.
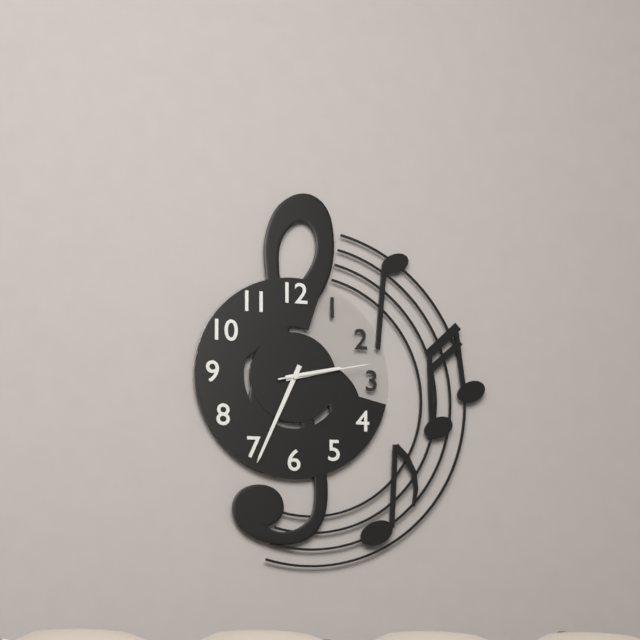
2:34:13
